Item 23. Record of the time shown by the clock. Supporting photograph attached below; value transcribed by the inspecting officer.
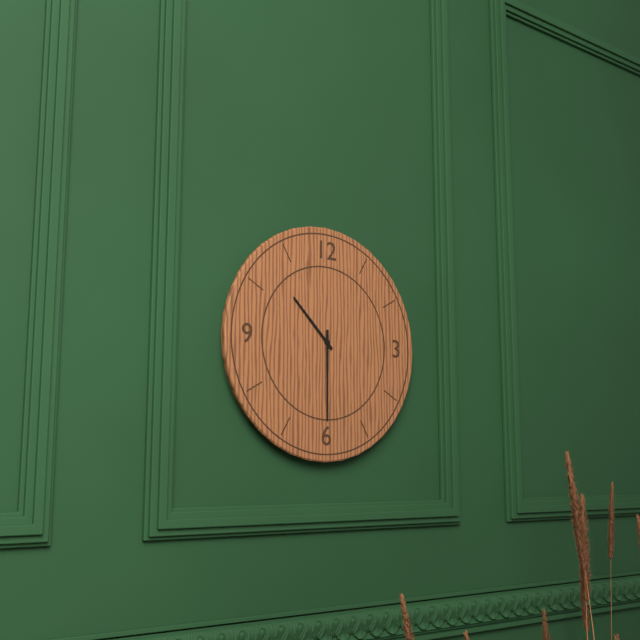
10:30
